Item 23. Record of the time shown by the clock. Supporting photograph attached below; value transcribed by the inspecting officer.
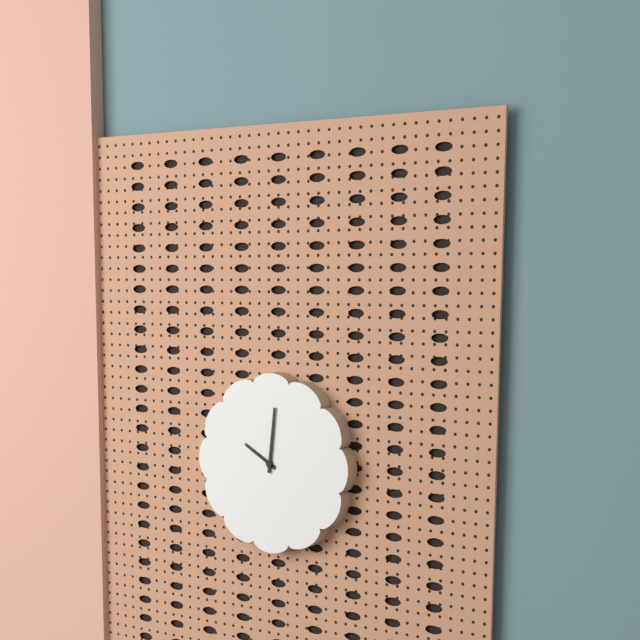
10:01
